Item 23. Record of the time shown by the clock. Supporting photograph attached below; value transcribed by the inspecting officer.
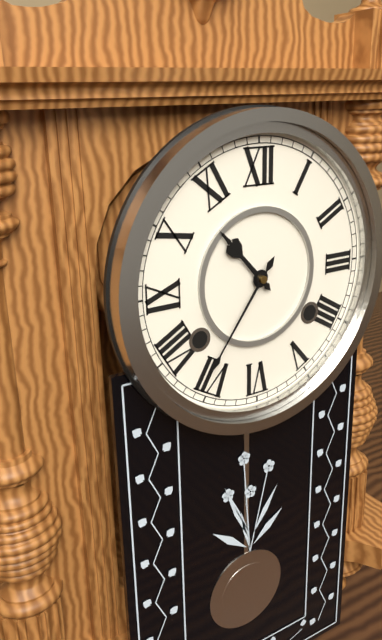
10:36
